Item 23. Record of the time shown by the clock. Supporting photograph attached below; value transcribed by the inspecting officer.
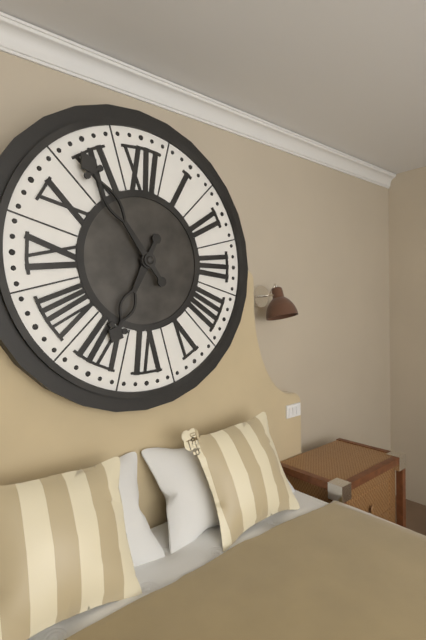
6:54
